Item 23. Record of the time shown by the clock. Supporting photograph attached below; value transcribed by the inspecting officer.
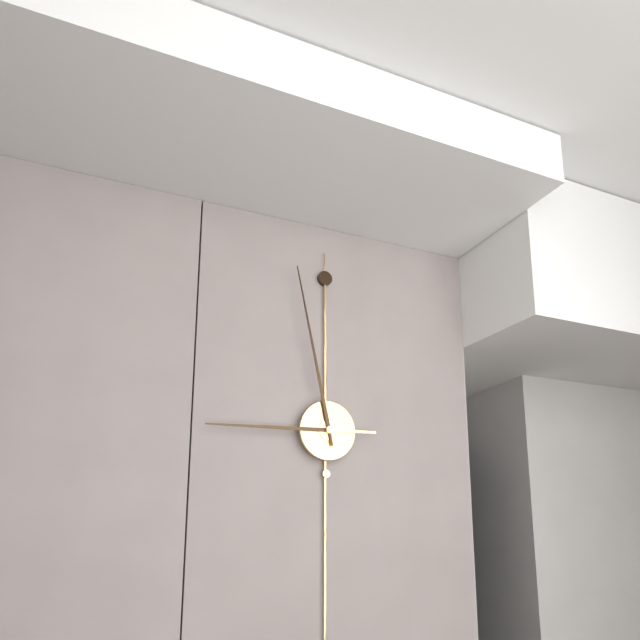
8:58
